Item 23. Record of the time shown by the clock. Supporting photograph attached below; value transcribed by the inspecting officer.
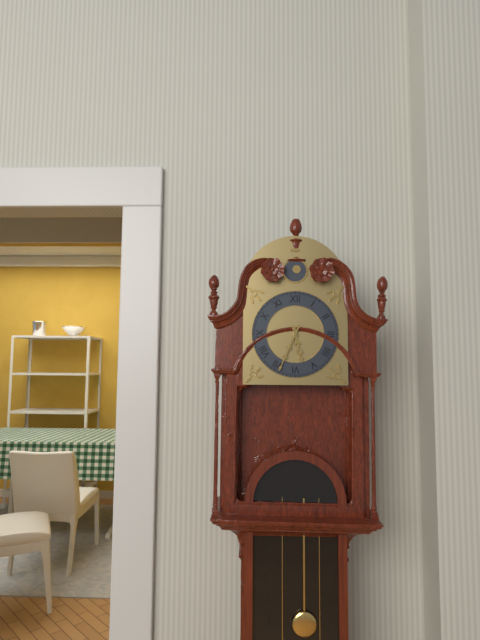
5:34
